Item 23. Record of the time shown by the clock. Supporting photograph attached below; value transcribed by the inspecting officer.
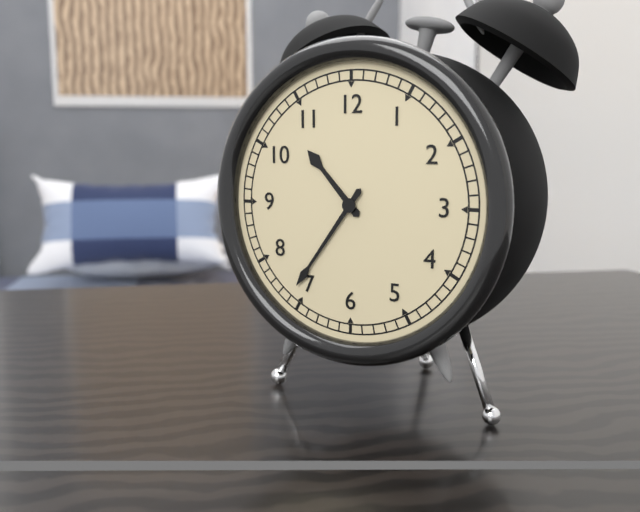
10:36
